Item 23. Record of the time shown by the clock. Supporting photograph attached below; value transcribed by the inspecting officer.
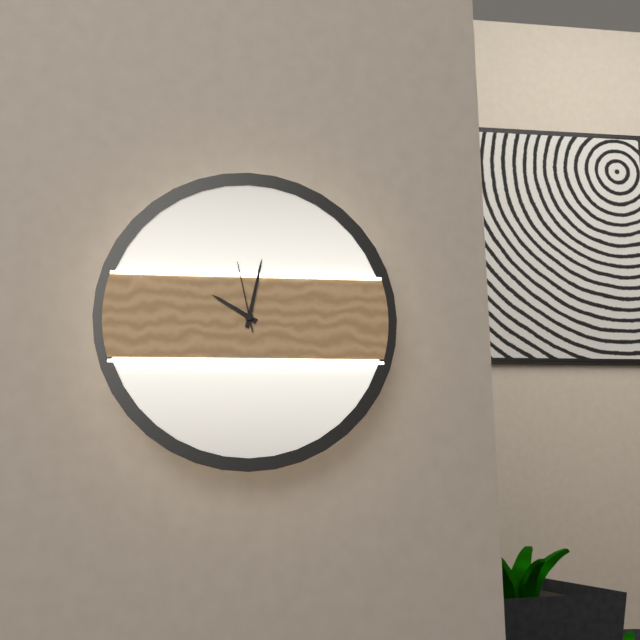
10:02:58
